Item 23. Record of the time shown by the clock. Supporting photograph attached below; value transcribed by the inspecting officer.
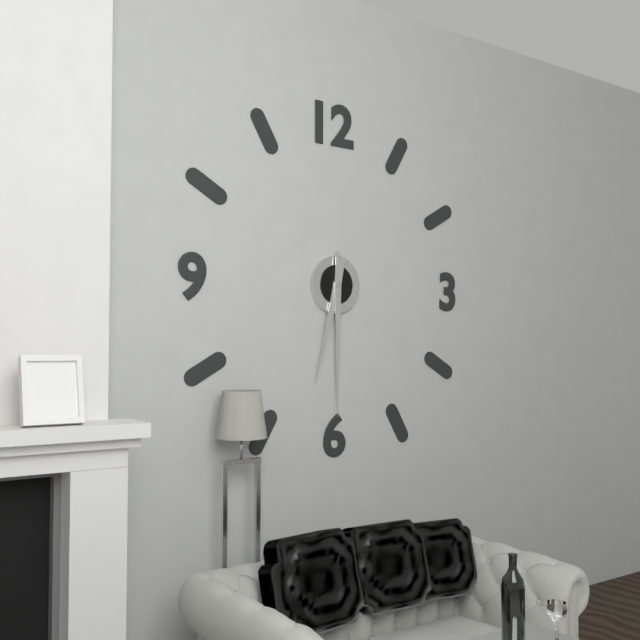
6:30
